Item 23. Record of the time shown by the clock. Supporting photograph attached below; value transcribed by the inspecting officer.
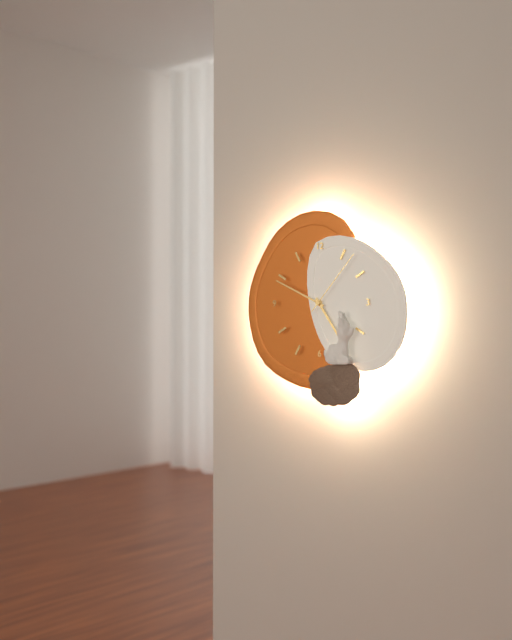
4:49:07
